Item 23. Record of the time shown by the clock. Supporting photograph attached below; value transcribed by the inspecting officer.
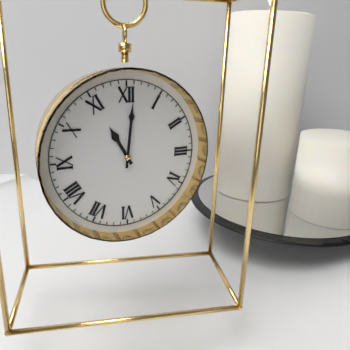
11:01
